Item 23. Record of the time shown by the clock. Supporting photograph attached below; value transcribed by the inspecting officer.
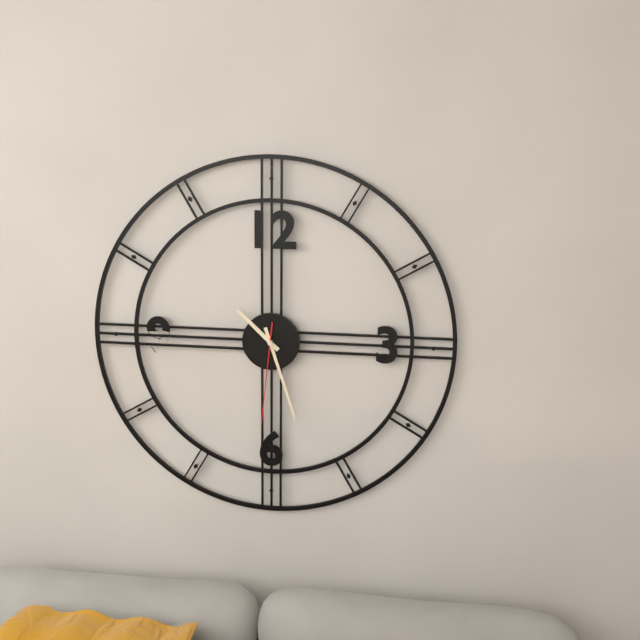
10:27:31
